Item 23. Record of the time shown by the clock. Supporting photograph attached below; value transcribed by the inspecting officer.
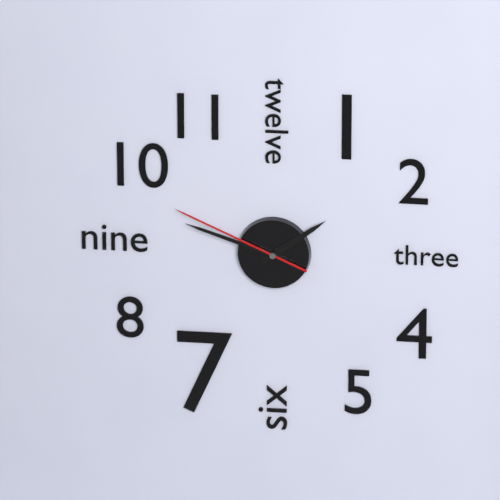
1:48:49
